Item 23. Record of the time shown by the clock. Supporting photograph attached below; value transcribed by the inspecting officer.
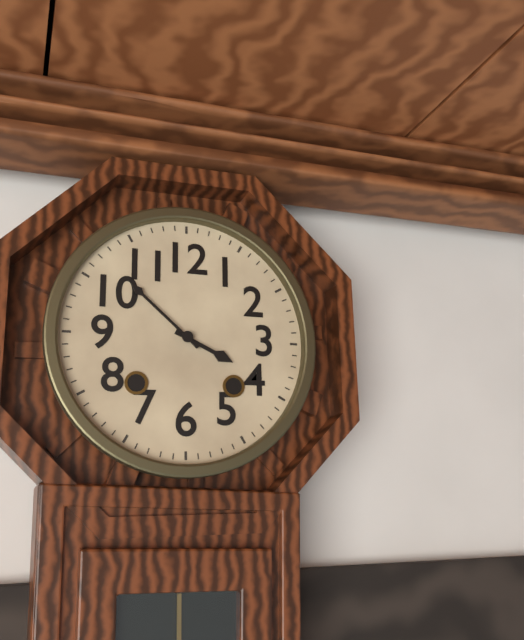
3:52
